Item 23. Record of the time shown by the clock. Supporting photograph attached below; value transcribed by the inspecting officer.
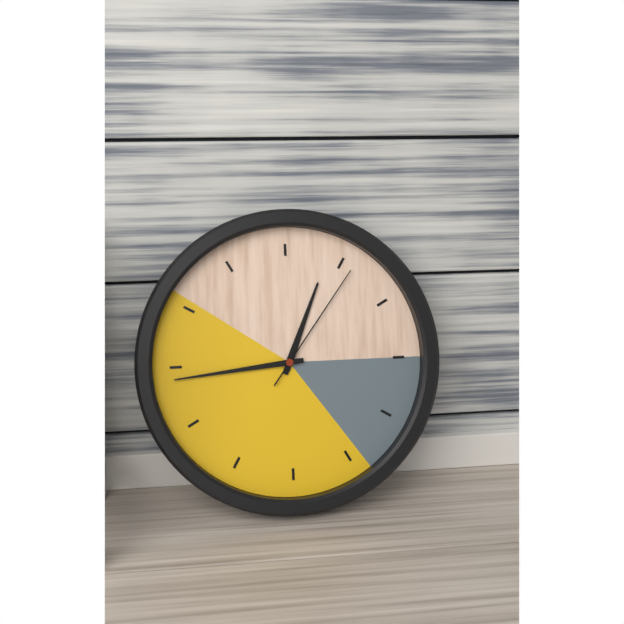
12:44:06
